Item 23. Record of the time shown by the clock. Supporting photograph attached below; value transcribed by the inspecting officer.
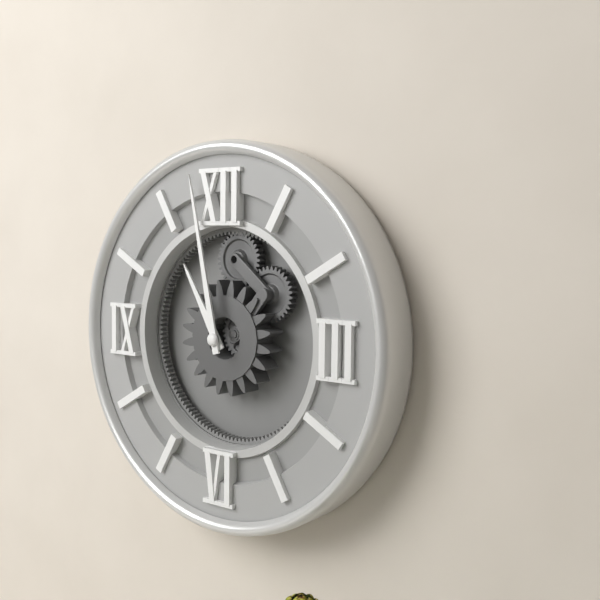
10:58
